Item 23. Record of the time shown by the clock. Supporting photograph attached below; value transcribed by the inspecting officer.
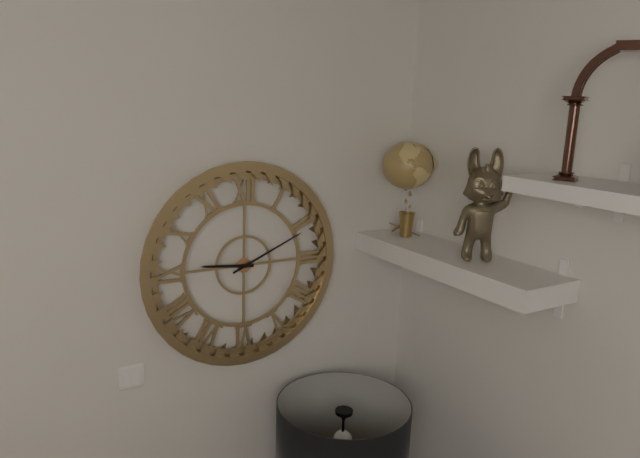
9:11
